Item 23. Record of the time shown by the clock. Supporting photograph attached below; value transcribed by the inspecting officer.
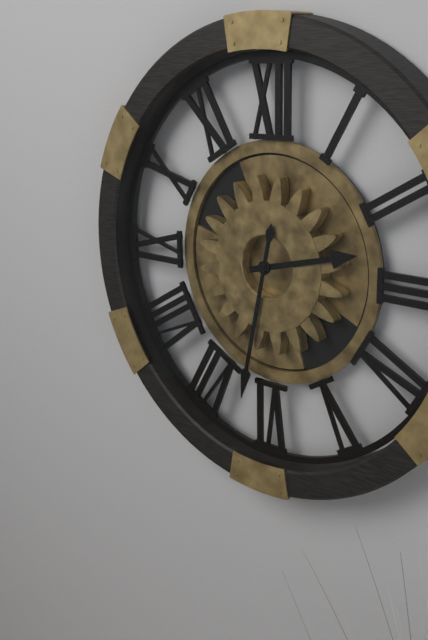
2:32
